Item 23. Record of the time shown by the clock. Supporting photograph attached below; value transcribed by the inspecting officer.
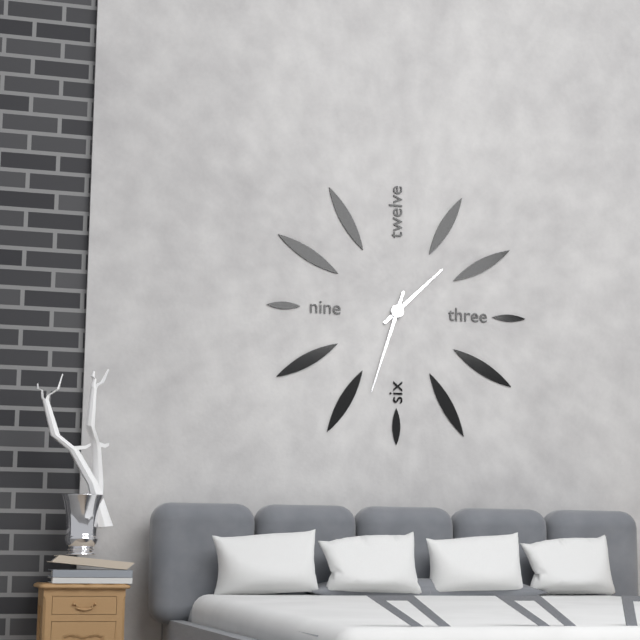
1:33
